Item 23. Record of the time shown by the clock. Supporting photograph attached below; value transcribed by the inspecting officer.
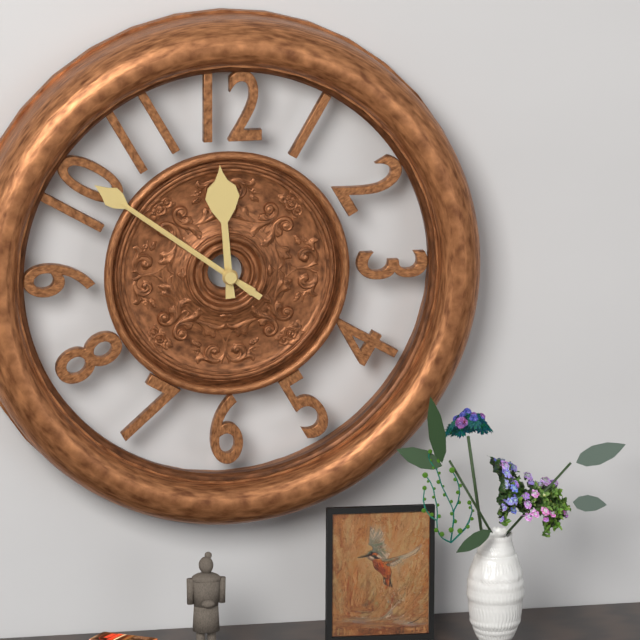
11:51:51
